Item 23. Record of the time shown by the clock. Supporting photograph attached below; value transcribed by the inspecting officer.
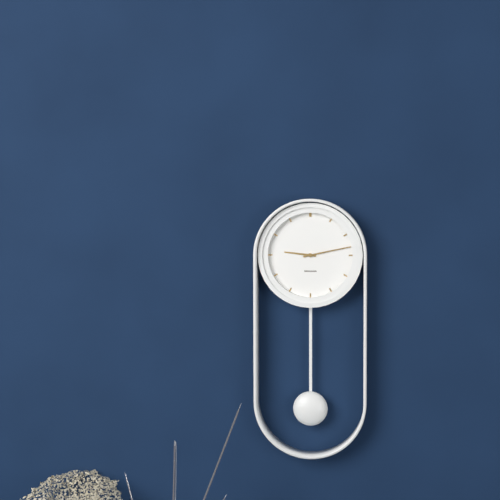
9:13
